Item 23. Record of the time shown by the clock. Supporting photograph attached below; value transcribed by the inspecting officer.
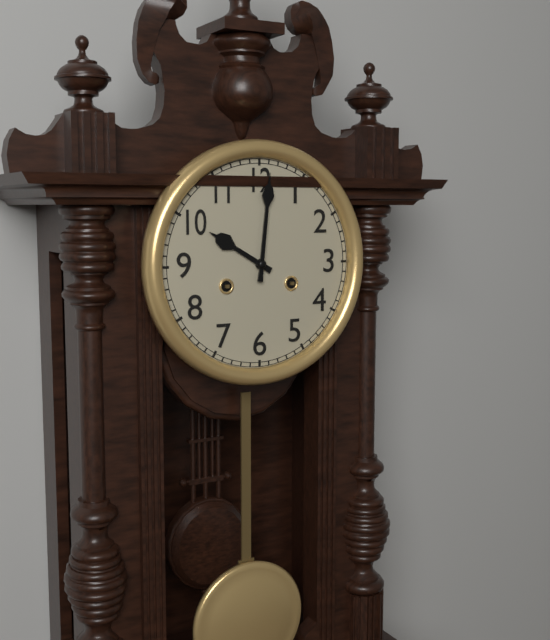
10:01
